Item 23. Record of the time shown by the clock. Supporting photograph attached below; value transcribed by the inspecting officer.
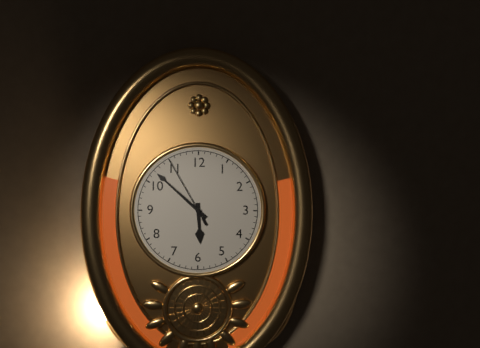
5:52:55
